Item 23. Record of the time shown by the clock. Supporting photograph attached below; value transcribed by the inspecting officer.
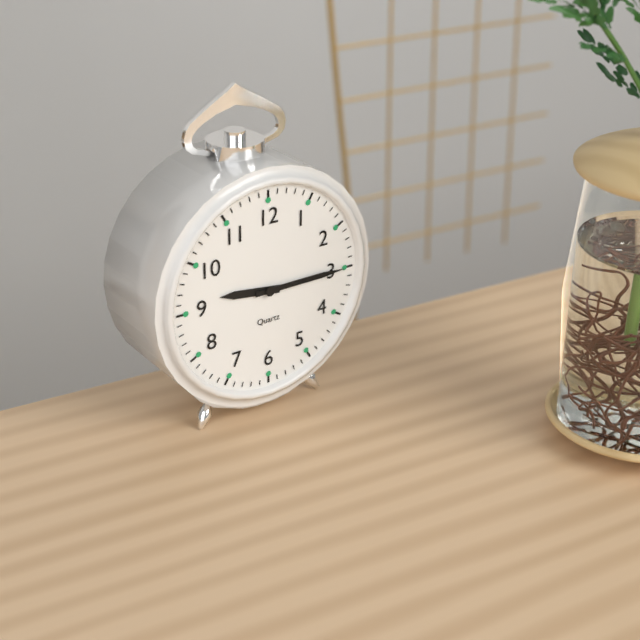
9:15
